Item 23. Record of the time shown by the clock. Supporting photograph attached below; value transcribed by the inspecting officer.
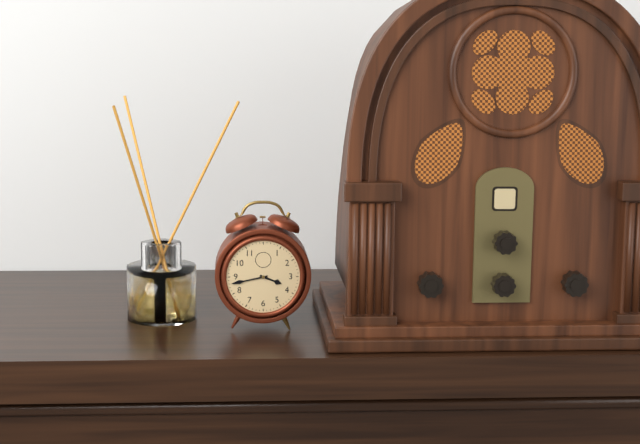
3:43
